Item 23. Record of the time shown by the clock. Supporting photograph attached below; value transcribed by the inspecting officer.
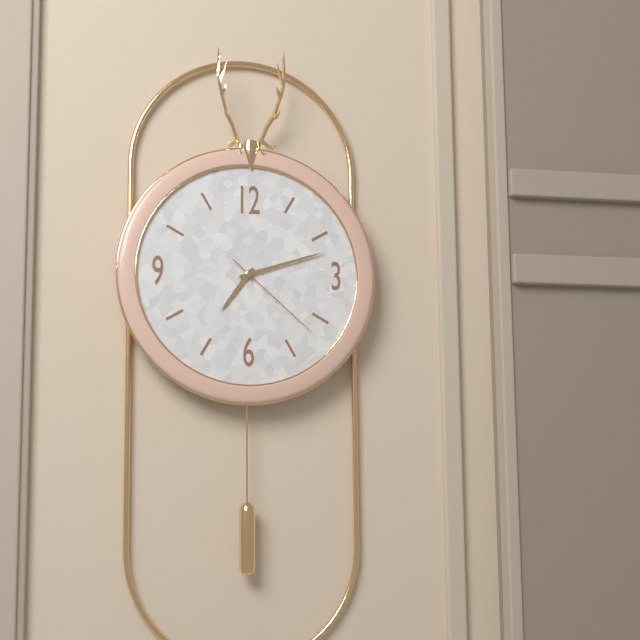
7:12:22
